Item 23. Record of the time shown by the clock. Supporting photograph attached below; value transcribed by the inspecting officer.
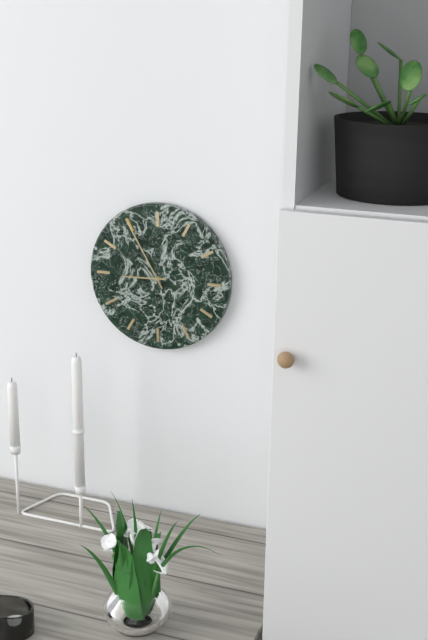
8:55
